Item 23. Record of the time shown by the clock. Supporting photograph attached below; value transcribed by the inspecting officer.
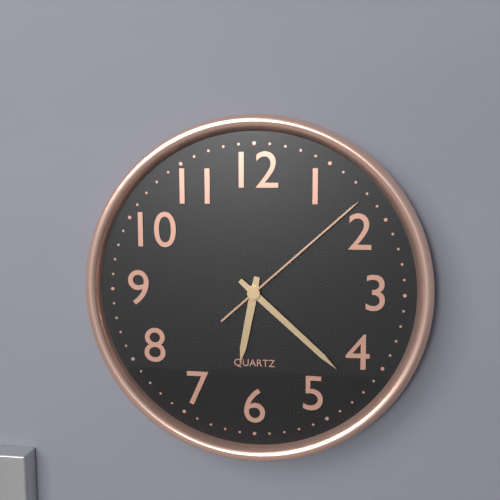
6:22:08
